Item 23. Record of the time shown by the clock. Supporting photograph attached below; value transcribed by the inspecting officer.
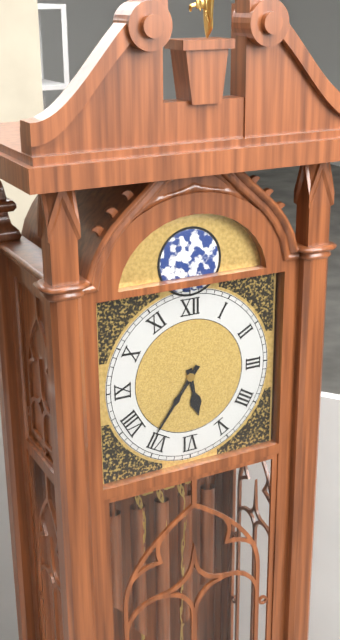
5:36
